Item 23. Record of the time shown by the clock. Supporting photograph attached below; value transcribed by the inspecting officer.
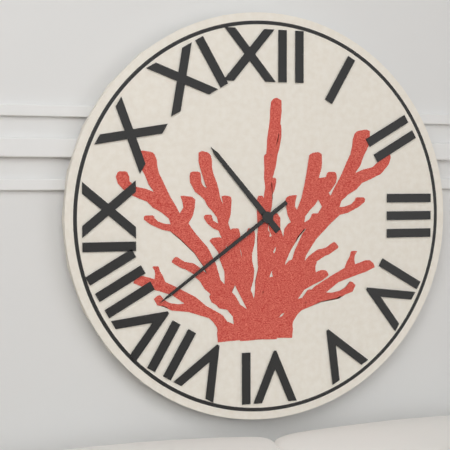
10:39
